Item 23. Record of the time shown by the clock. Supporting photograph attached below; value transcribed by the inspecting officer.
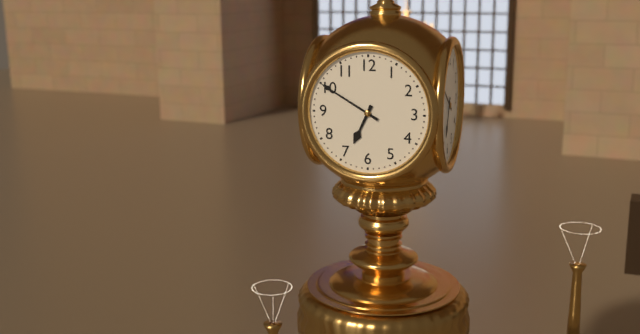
6:50
